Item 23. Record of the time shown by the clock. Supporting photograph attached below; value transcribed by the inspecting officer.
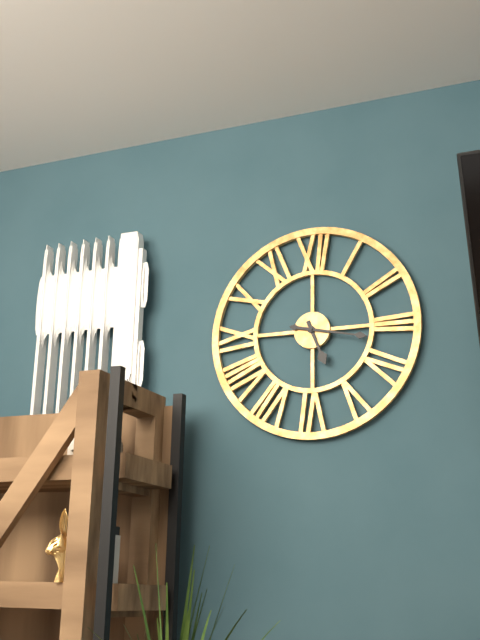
5:17
